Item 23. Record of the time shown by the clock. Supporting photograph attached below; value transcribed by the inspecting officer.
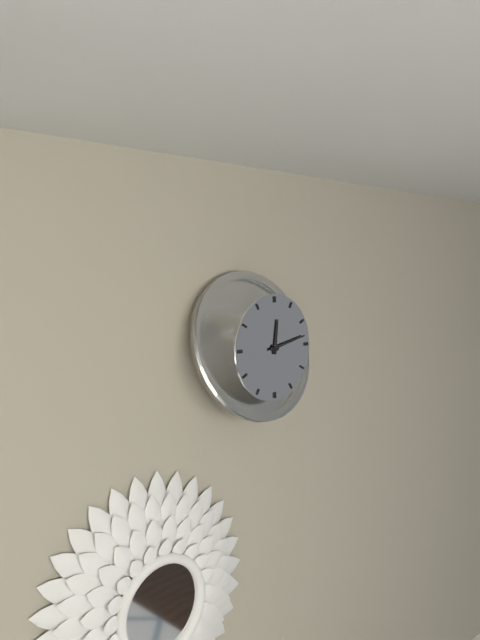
12:13
